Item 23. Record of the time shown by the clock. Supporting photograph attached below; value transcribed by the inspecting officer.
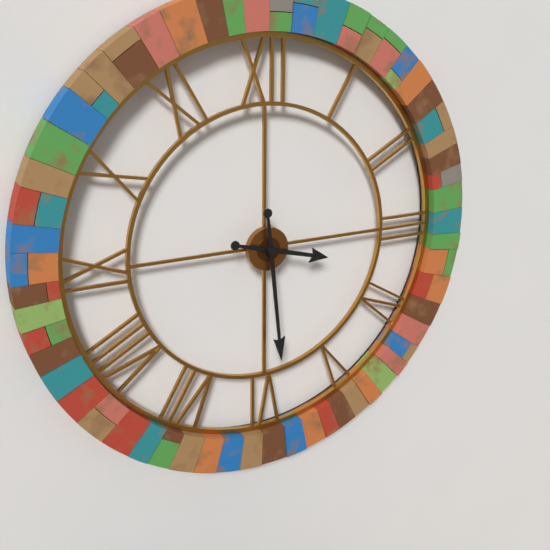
3:29
